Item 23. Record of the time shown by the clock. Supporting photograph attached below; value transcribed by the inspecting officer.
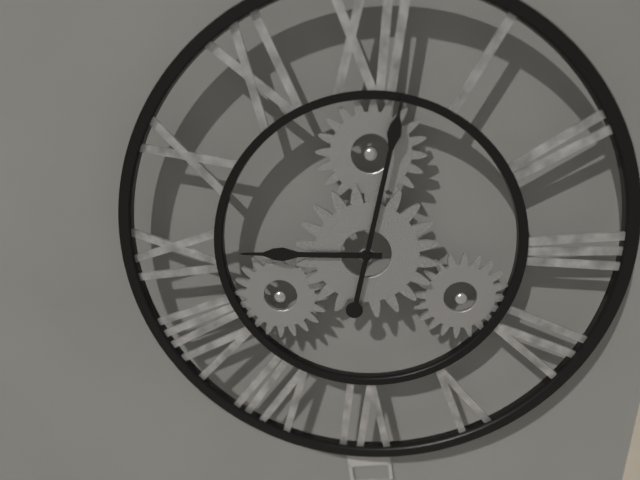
9:02
